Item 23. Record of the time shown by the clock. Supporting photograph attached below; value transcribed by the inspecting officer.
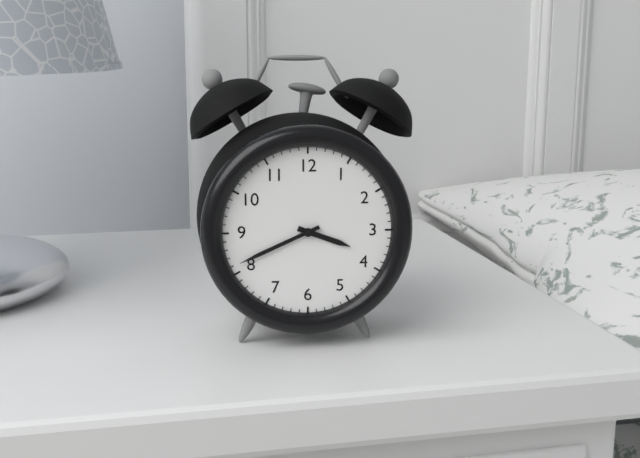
3:41
